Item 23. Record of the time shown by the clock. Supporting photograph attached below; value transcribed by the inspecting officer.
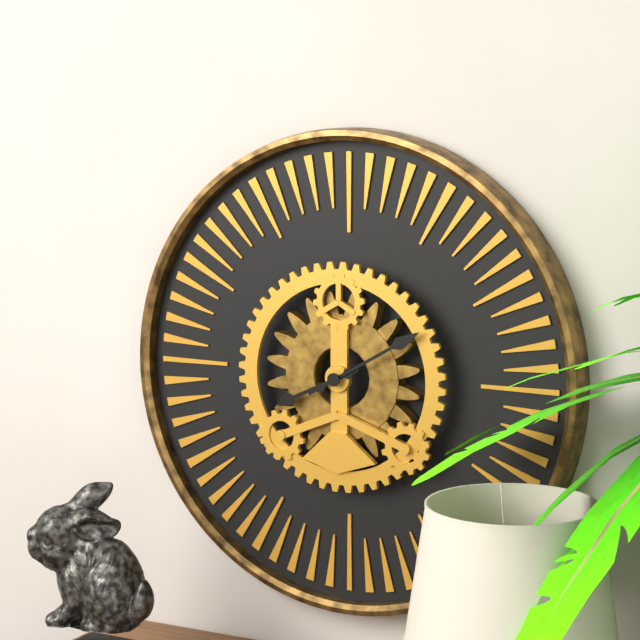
8:10
